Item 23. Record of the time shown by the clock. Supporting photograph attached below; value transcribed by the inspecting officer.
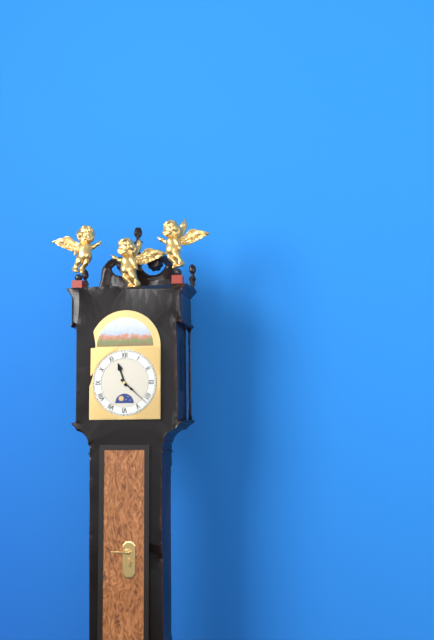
11:22
